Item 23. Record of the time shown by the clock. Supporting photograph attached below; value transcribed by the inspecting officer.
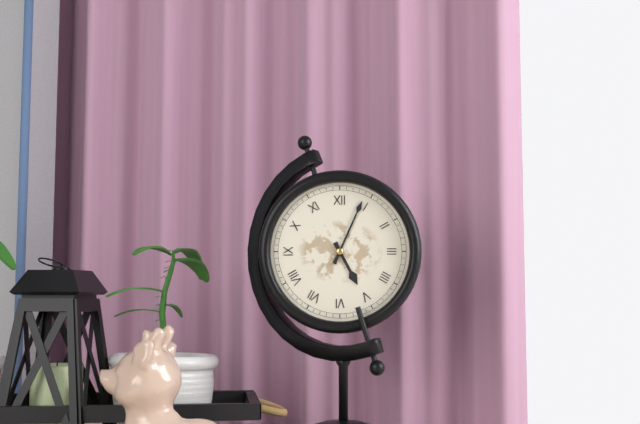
5:04
